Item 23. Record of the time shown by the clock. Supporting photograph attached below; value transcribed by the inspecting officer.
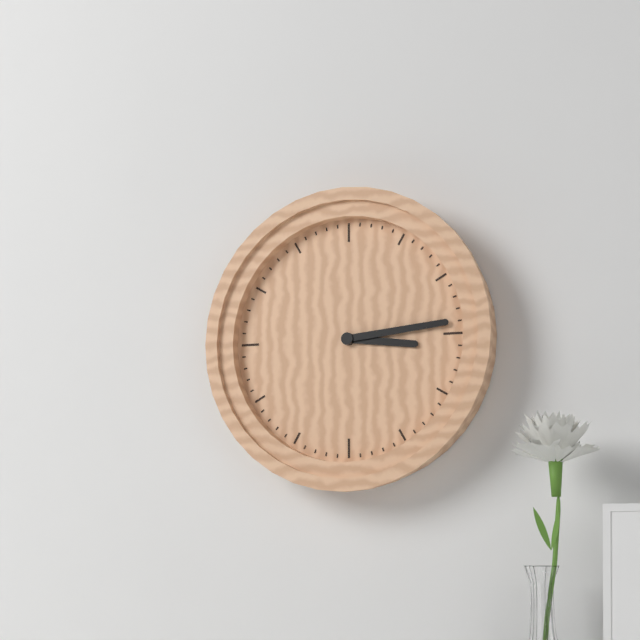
3:14
